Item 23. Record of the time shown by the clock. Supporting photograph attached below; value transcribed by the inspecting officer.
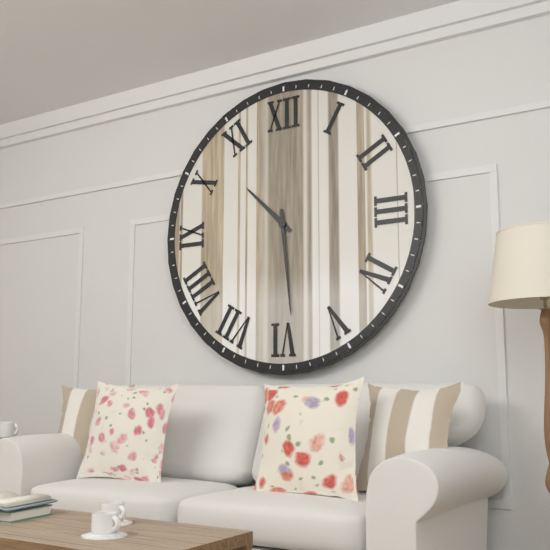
10:29
